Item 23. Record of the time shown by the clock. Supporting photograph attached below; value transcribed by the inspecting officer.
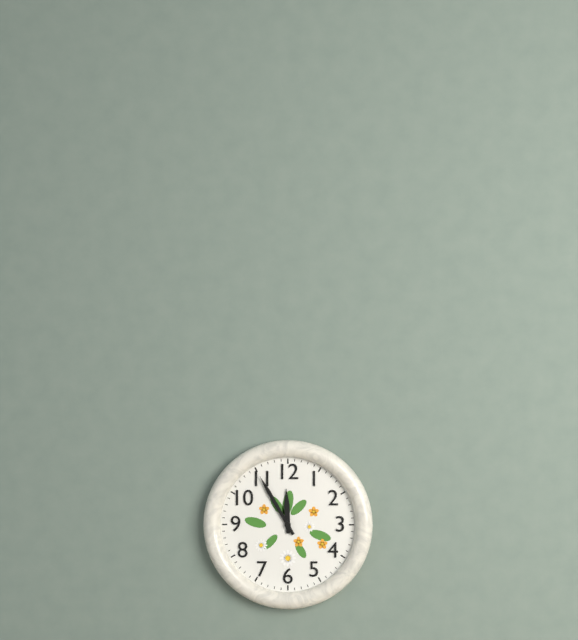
11:55
